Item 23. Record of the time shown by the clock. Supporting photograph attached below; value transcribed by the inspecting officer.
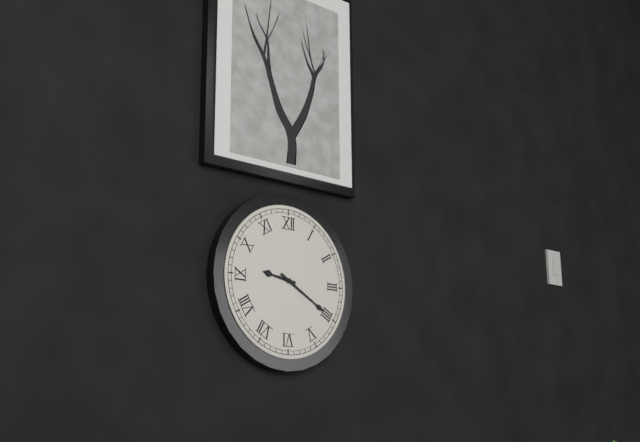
9:20
